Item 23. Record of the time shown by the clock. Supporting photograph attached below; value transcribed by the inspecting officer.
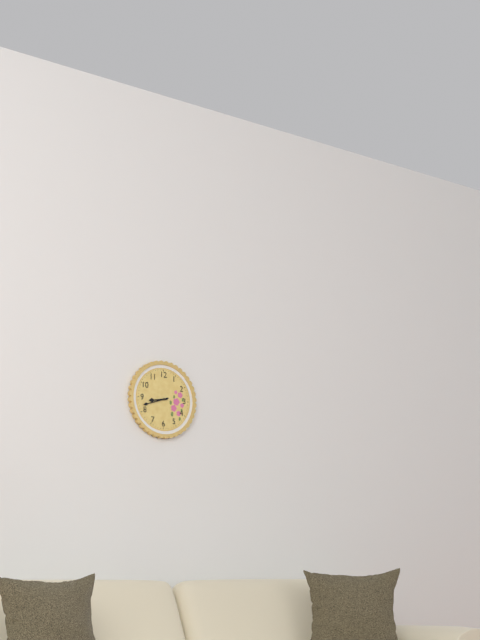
8:42
